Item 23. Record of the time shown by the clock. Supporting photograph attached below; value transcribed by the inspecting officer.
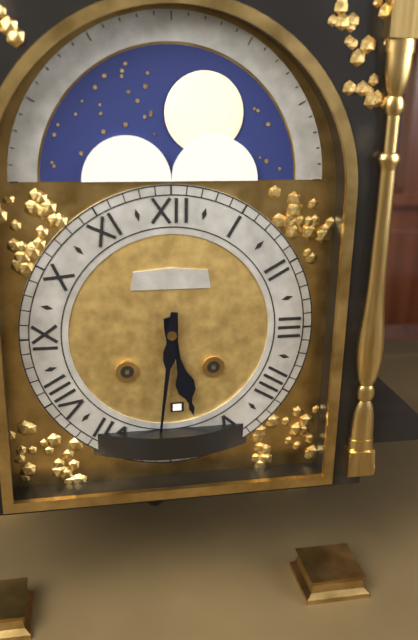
5:31
